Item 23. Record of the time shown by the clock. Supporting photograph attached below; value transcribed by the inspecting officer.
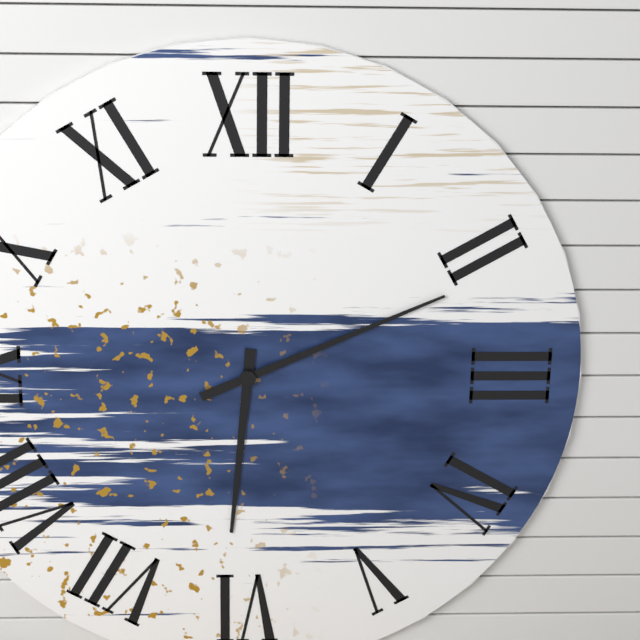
6:11
